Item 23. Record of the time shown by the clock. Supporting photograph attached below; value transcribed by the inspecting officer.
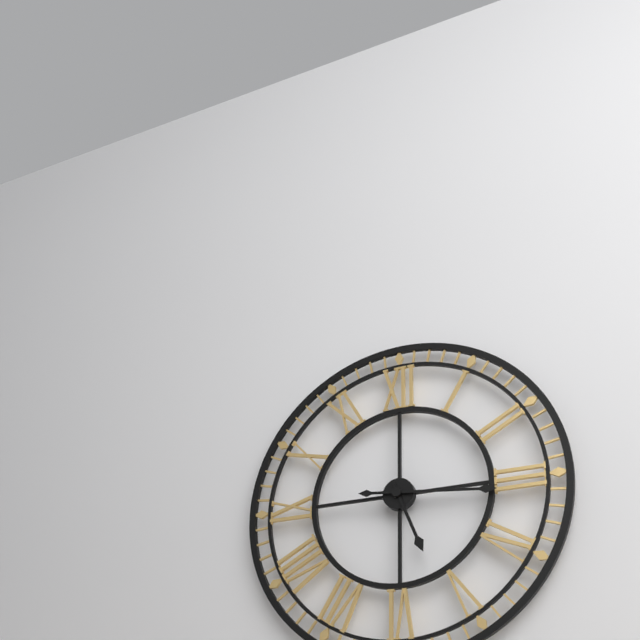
5:16
